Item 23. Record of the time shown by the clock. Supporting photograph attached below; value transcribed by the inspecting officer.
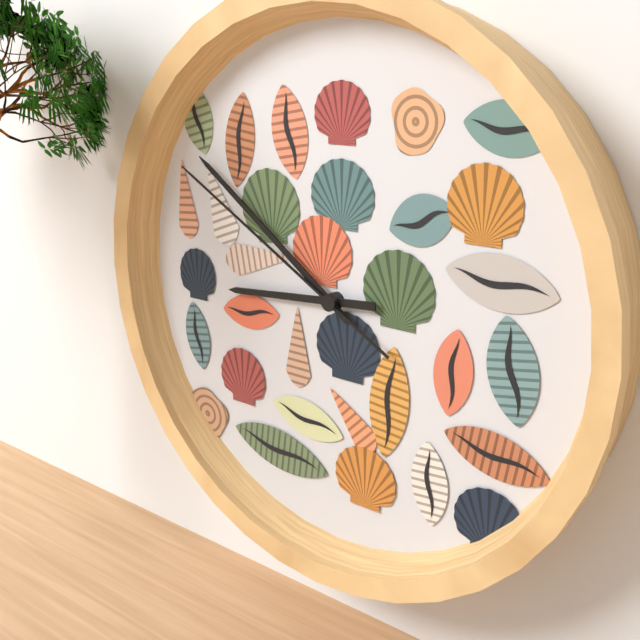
8:51:50
